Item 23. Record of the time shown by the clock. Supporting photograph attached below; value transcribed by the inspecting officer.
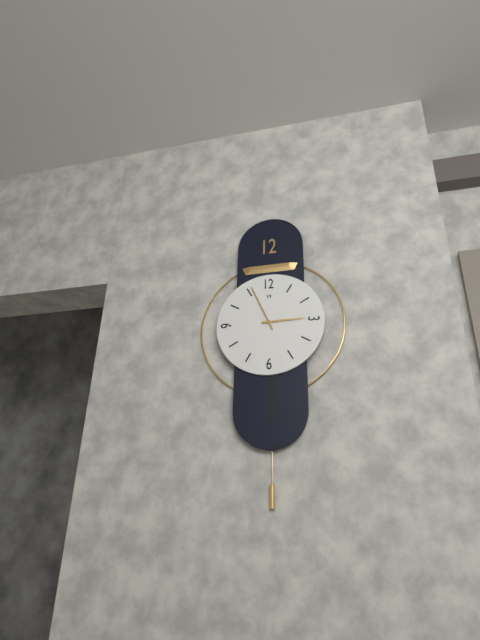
2:56
